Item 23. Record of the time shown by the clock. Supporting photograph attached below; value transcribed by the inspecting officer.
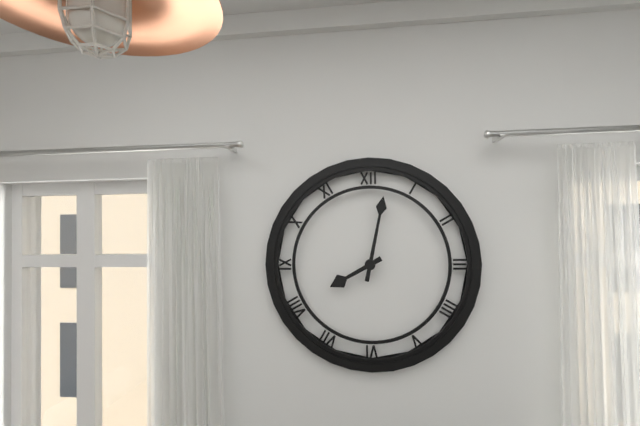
8:02
